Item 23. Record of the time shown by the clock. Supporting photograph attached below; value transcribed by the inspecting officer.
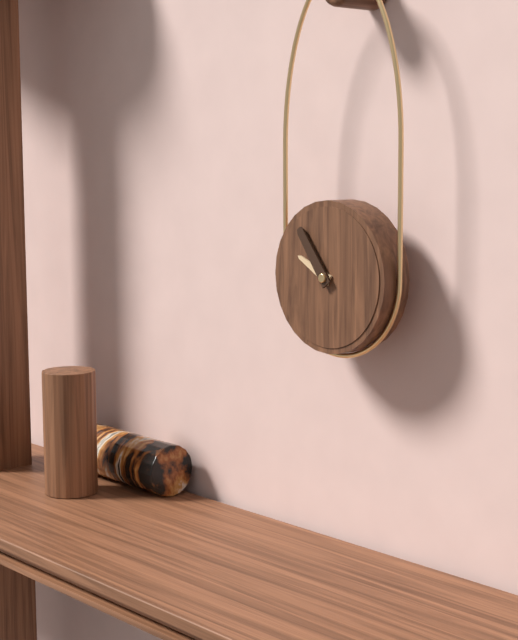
9:54
